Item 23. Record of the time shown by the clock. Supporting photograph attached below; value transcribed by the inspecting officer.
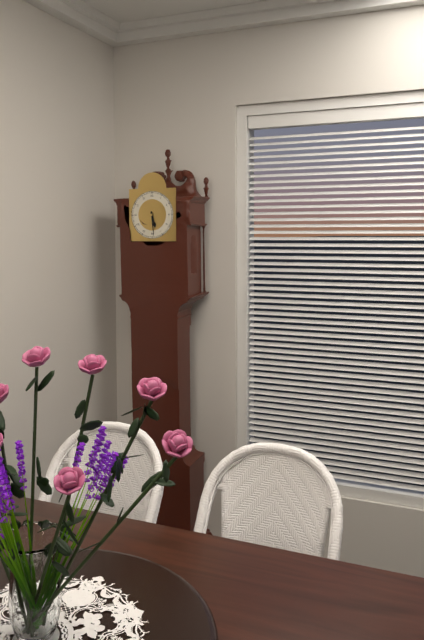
5:29
